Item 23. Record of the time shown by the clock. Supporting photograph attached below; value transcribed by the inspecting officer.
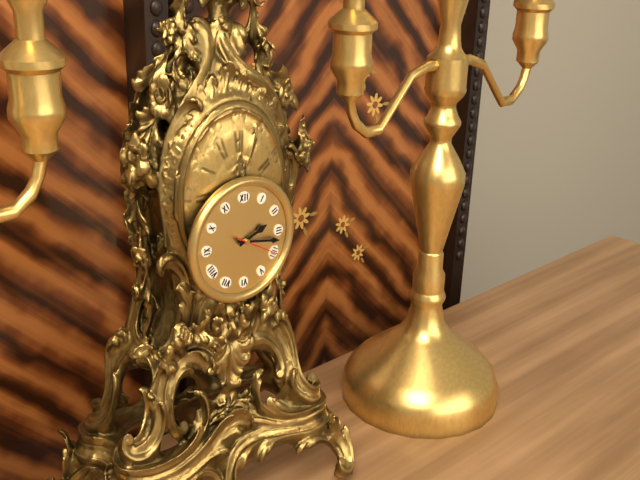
2:17
